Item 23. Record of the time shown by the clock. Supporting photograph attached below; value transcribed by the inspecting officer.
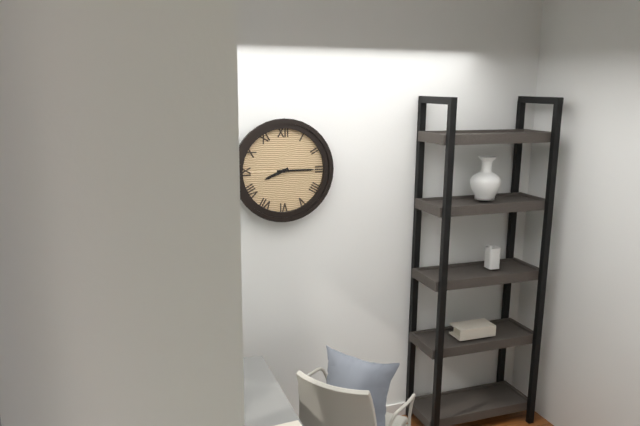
8:15
